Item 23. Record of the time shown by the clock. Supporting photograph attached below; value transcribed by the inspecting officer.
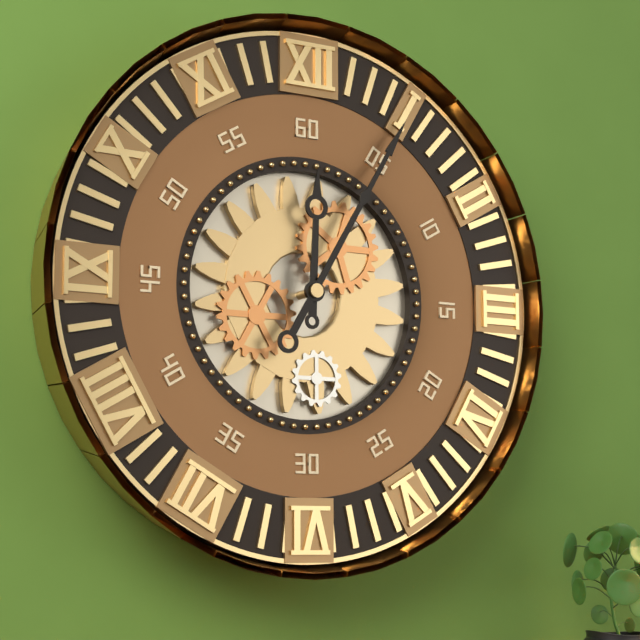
12:05
